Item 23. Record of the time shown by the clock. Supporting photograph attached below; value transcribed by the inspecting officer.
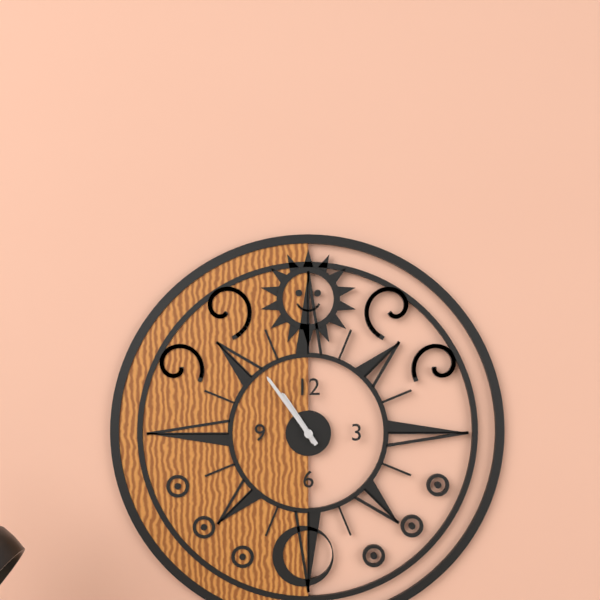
10:54
